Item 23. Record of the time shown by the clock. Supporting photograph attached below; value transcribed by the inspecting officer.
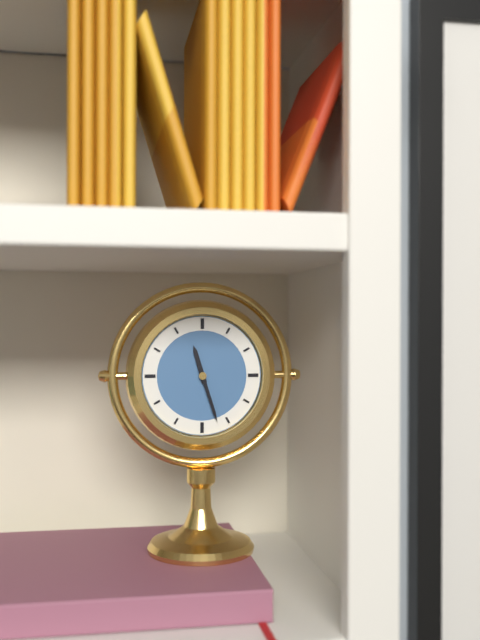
11:27
